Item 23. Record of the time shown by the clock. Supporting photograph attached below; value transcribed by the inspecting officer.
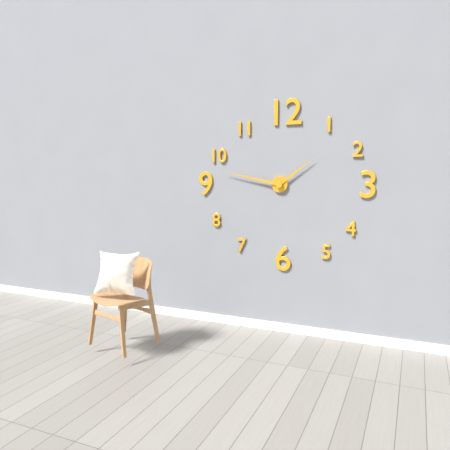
1:47
